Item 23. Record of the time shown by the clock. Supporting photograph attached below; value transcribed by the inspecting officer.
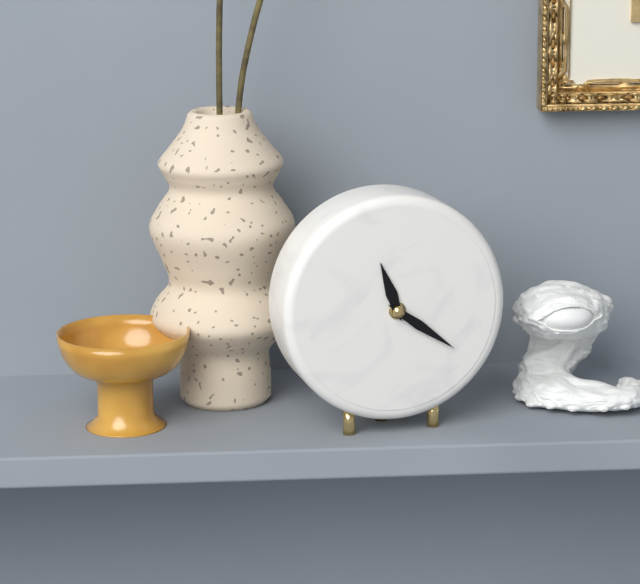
11:21
